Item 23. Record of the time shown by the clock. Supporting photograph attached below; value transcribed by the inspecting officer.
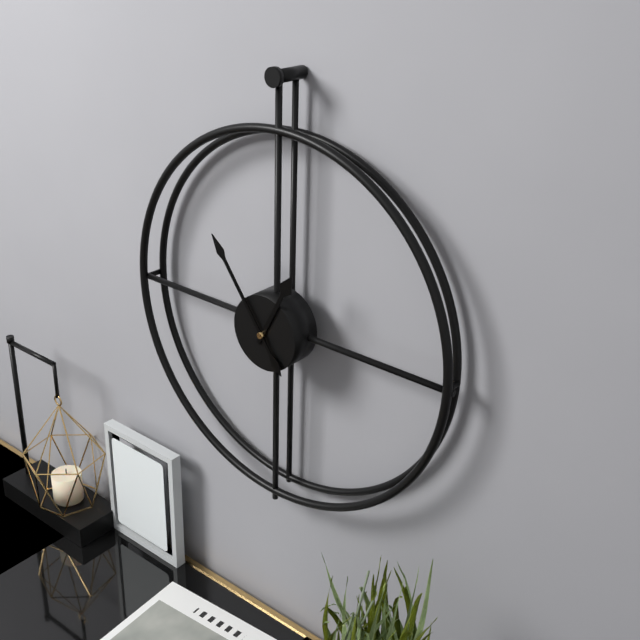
12:54
